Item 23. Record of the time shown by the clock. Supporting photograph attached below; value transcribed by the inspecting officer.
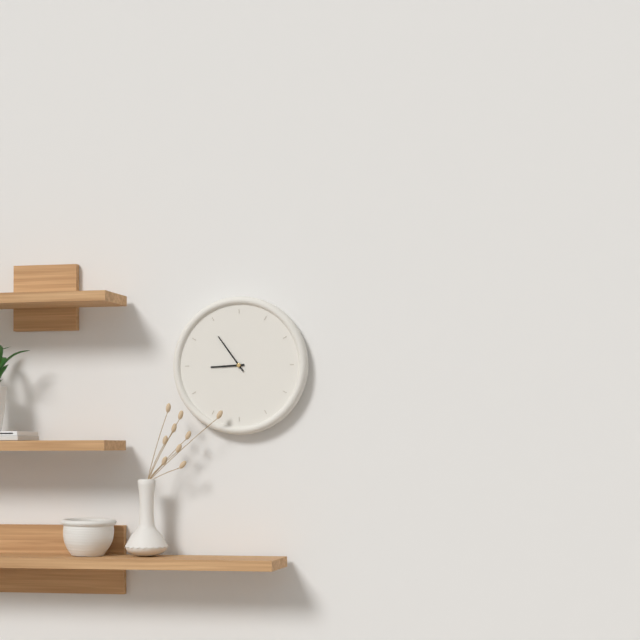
8:54
